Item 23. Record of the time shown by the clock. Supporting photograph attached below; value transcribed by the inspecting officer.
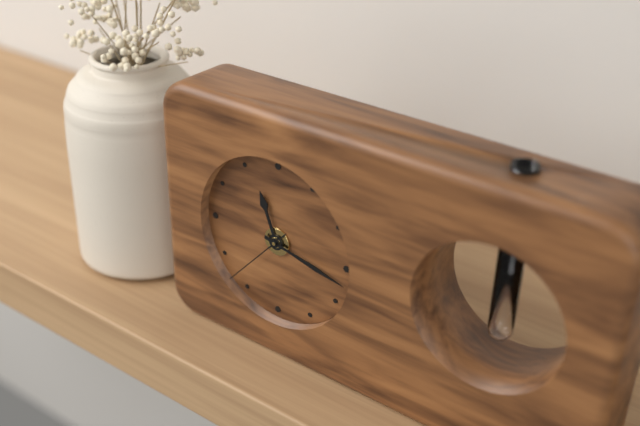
11:17:37
